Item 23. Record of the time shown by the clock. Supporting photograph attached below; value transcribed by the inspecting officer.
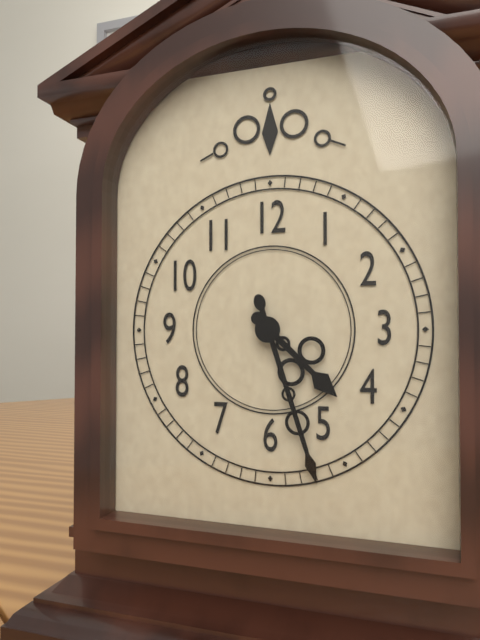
4:27
